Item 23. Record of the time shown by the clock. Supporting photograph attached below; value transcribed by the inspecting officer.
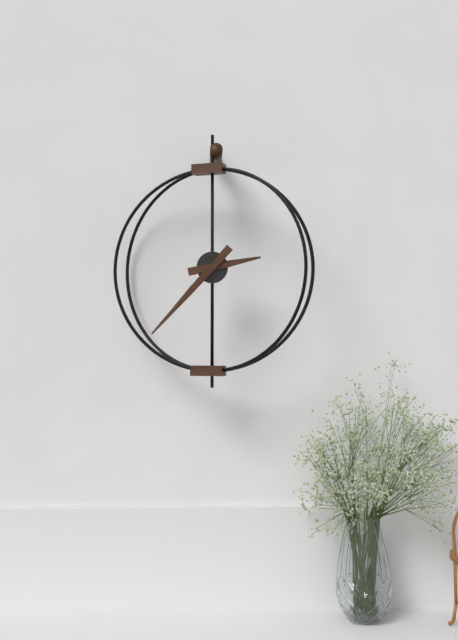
2:37
